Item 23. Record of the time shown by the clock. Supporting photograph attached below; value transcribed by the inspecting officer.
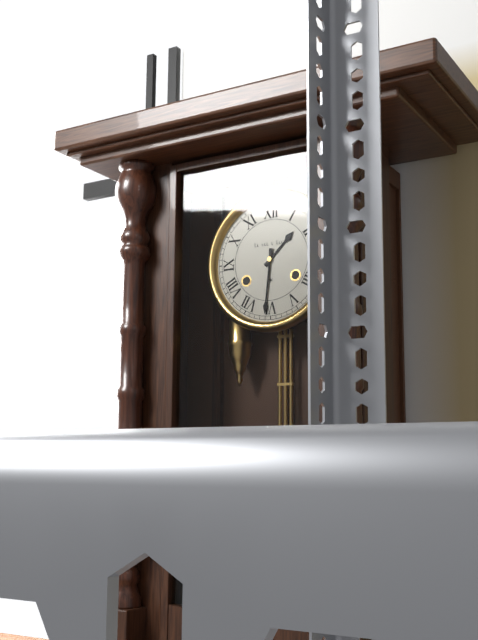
1:31
